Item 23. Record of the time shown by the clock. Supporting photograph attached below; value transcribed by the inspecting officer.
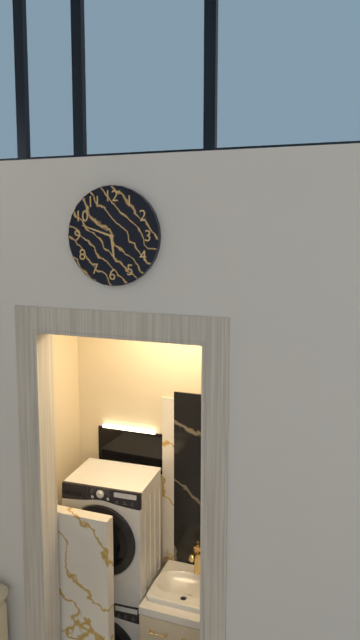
5:48
